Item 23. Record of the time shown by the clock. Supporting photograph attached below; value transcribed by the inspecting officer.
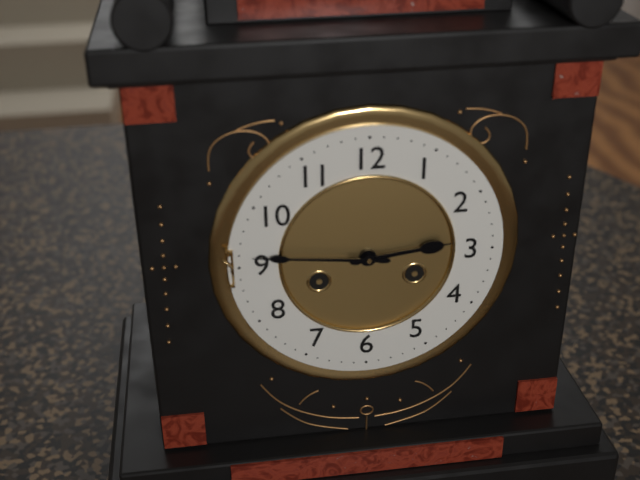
2:46
